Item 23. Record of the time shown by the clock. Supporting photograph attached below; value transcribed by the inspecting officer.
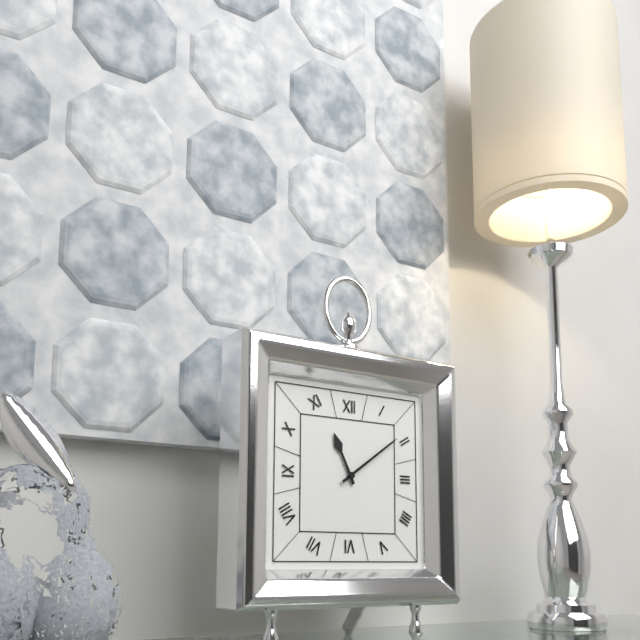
11:09
